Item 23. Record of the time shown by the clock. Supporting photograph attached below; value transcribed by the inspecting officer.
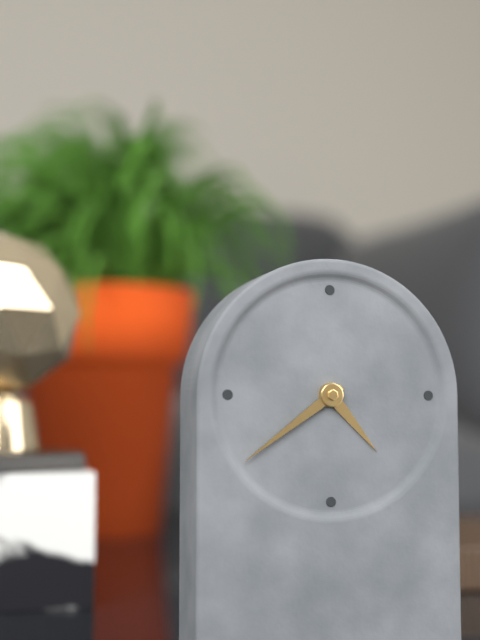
4:39
